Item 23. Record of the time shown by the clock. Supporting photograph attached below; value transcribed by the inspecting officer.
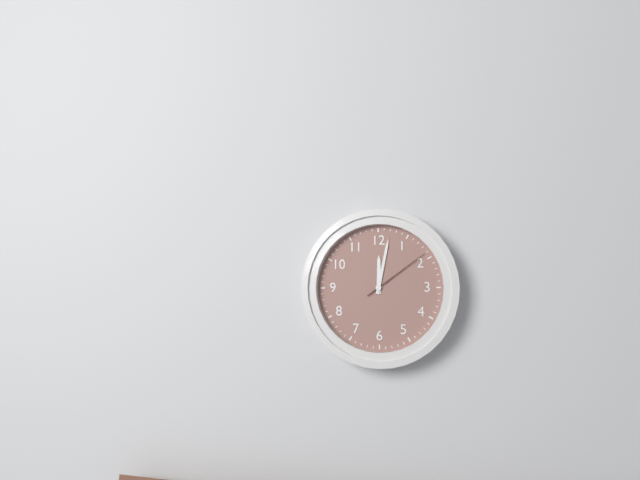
12:02:09
